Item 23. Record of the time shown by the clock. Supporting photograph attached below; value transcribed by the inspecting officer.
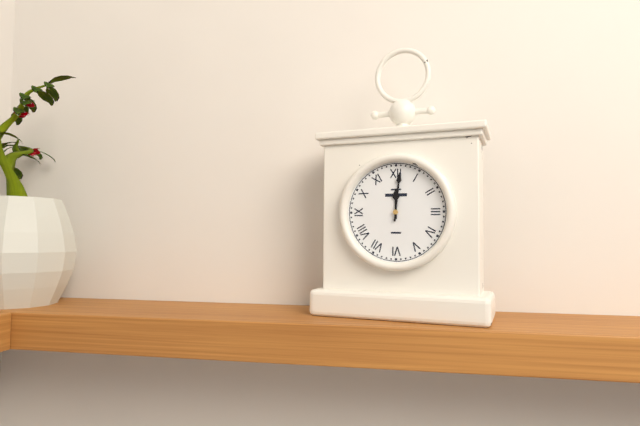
12:01
